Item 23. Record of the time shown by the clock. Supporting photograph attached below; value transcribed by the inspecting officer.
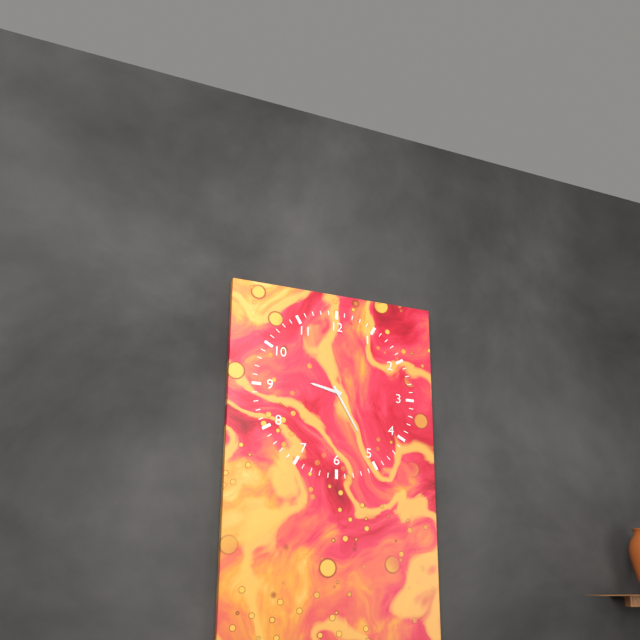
9:25
